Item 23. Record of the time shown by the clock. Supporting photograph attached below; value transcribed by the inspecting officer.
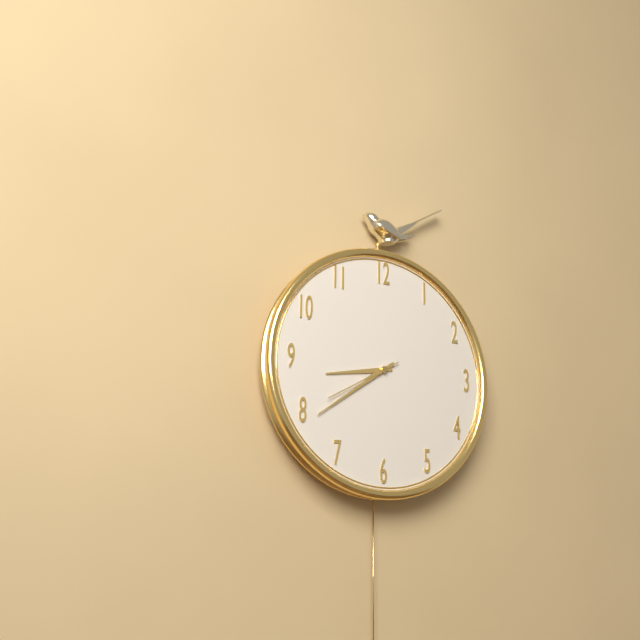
8:39:40
